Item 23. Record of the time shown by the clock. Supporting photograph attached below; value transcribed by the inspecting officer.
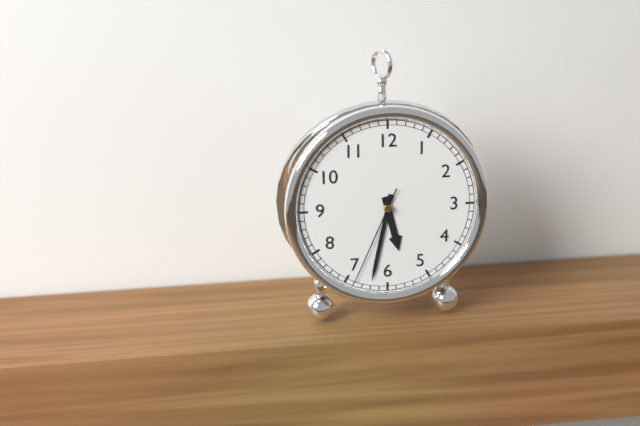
5:32:34
